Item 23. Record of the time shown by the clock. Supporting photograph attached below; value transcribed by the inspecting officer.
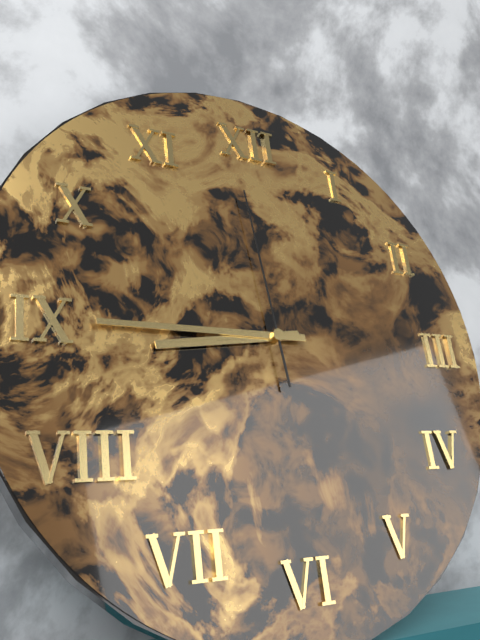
8:45:59
